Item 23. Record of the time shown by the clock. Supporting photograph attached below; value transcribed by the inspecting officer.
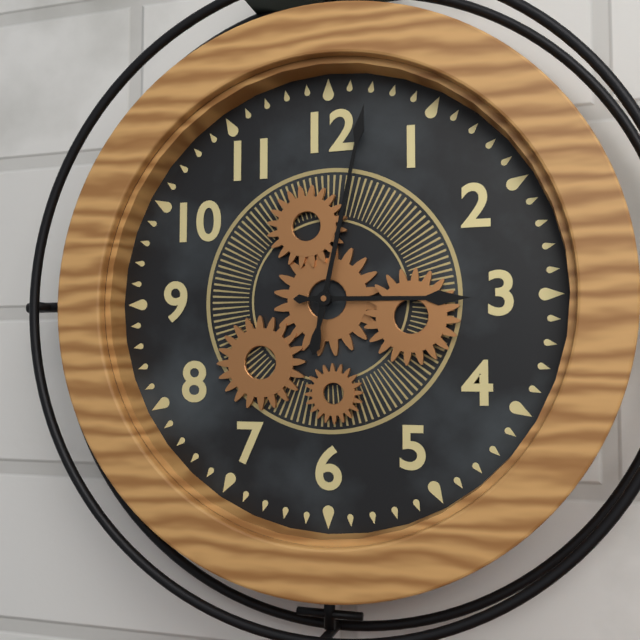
3:02
